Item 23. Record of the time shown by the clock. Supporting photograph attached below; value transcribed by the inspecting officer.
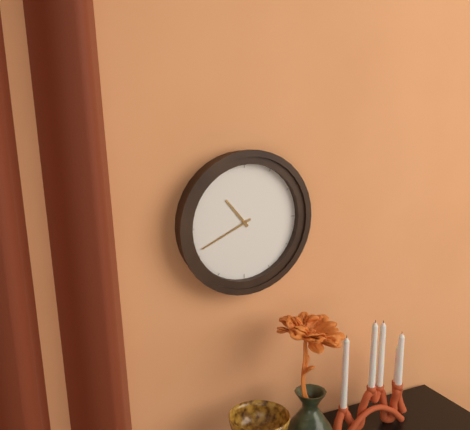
10:41
